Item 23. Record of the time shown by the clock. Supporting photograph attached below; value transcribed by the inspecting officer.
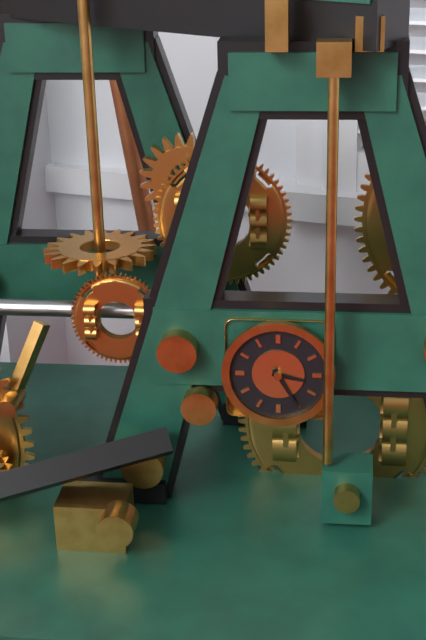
3:25
